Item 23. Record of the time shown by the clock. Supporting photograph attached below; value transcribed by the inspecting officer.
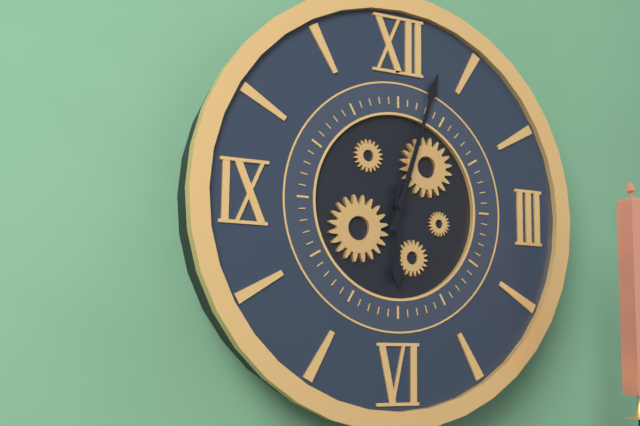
6:03
